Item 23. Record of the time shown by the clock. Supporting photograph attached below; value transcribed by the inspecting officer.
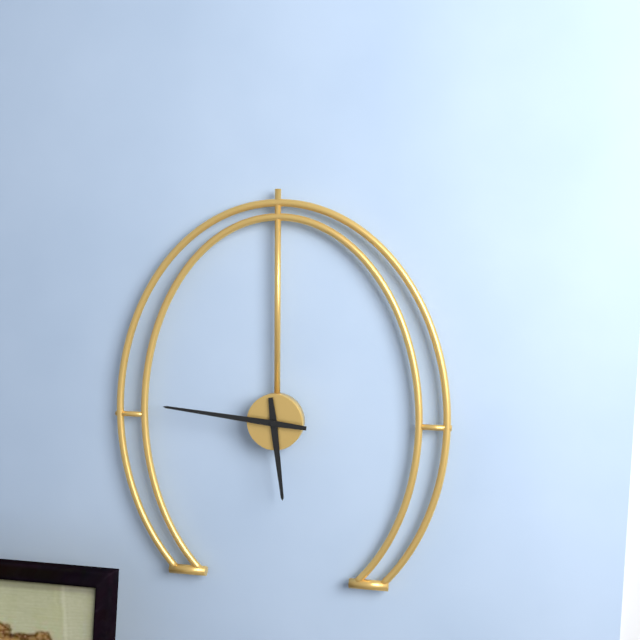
5:46
